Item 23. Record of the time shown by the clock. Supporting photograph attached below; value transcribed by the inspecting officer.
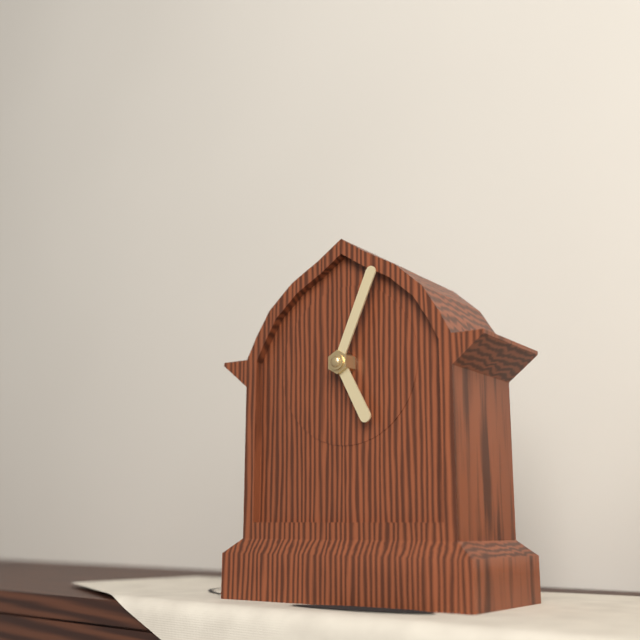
5:04
